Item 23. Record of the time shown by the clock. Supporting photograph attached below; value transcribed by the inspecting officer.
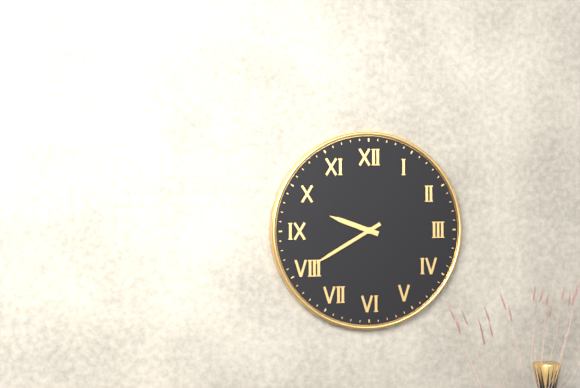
9:40
